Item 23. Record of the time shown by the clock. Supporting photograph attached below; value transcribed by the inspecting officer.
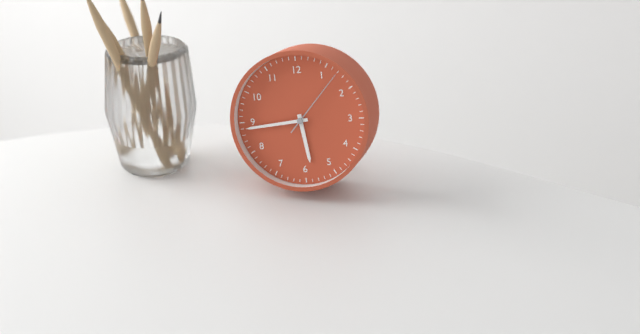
5:44:07
